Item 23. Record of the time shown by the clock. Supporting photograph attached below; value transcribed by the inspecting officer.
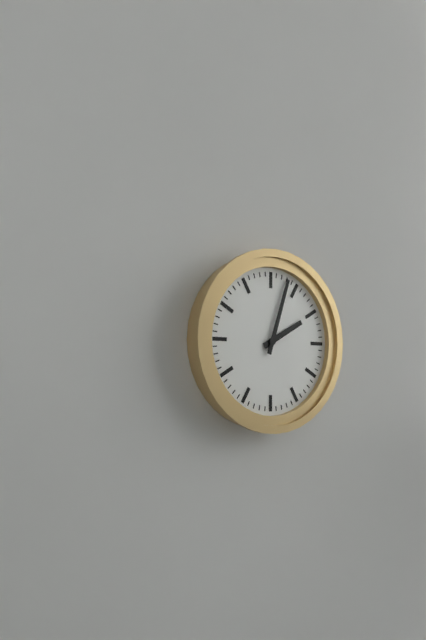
2:03
